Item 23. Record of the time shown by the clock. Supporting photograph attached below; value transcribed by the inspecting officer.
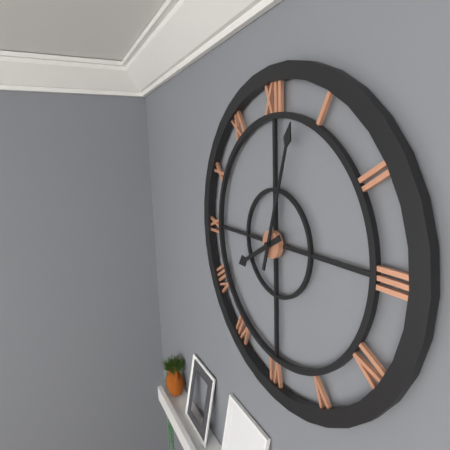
8:03
